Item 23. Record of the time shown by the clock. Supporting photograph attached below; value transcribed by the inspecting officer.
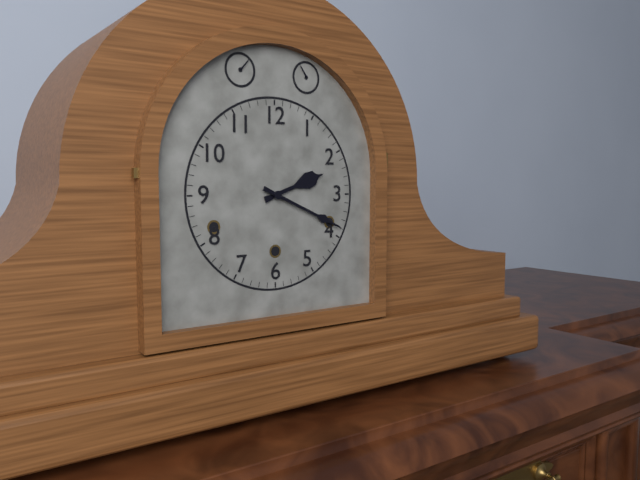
2:19
